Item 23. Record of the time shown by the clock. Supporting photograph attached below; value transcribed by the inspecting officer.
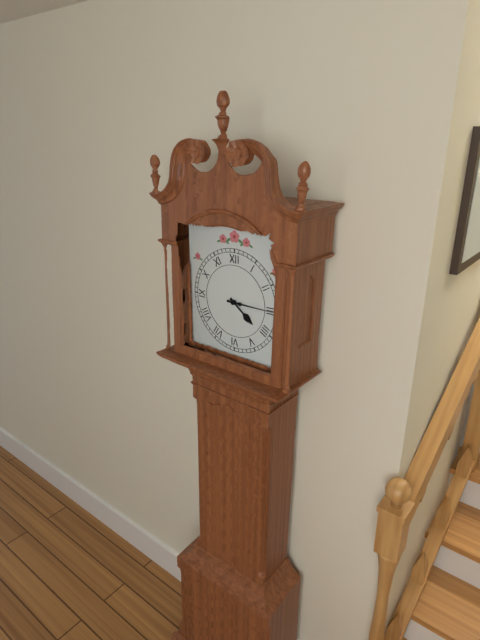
4:15
